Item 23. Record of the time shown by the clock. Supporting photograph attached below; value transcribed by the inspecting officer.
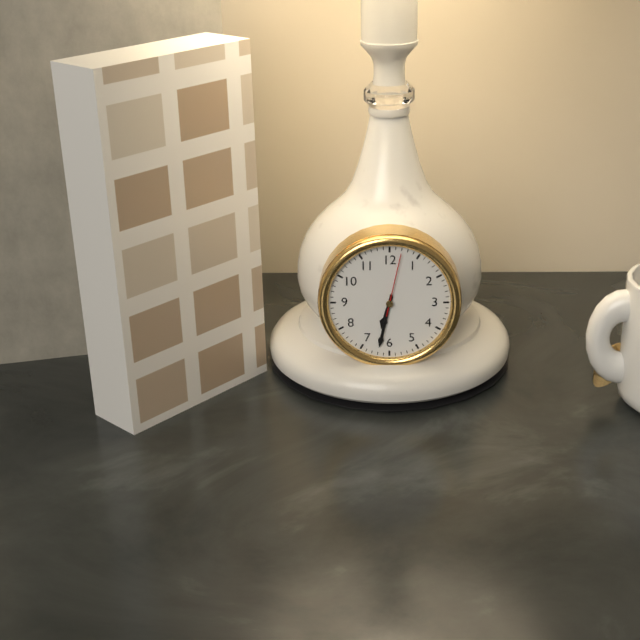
6:32:02
